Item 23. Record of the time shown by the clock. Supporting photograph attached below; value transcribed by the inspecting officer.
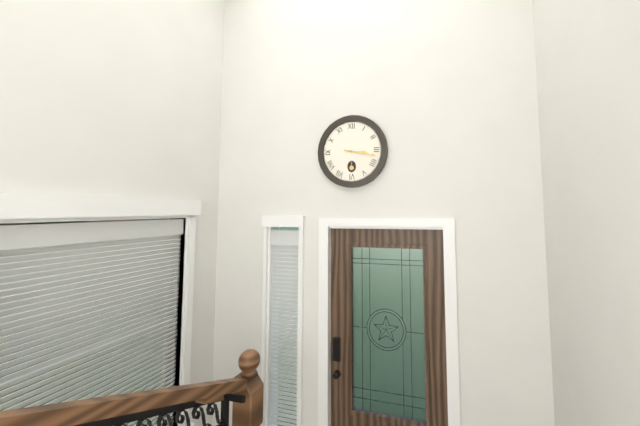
3:17
